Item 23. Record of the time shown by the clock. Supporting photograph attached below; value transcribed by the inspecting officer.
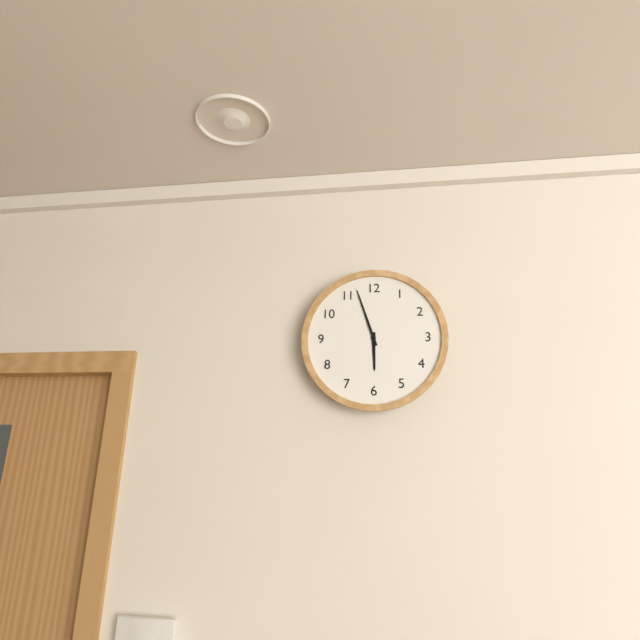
5:57
